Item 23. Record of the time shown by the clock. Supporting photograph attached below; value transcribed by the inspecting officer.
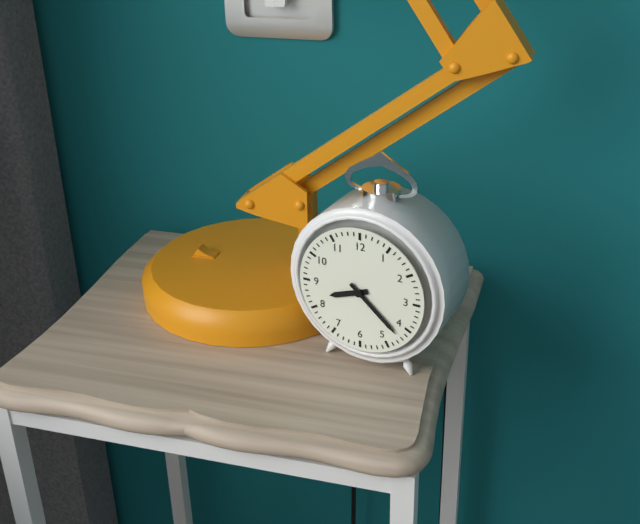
8:22
